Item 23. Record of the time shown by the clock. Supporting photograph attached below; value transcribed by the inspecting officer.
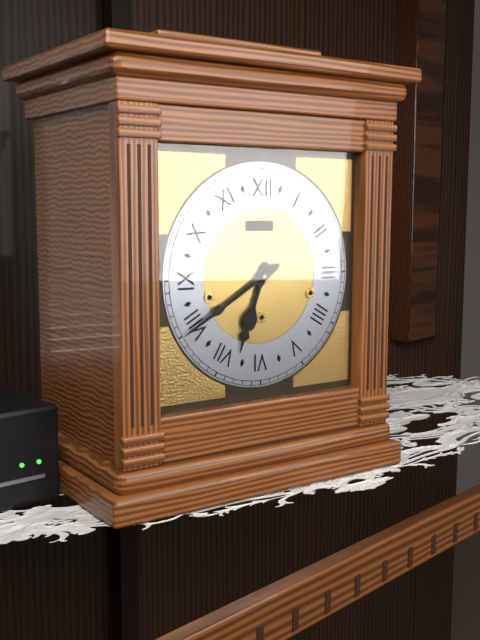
6:40
